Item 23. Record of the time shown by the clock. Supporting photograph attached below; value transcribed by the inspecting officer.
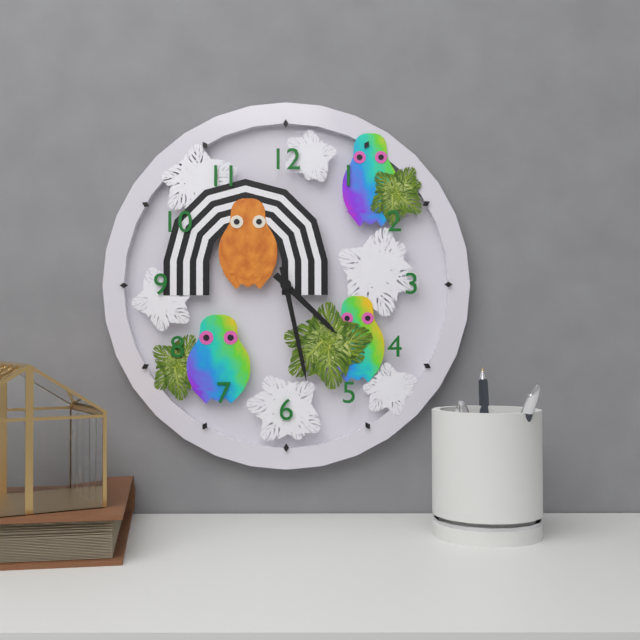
4:28
